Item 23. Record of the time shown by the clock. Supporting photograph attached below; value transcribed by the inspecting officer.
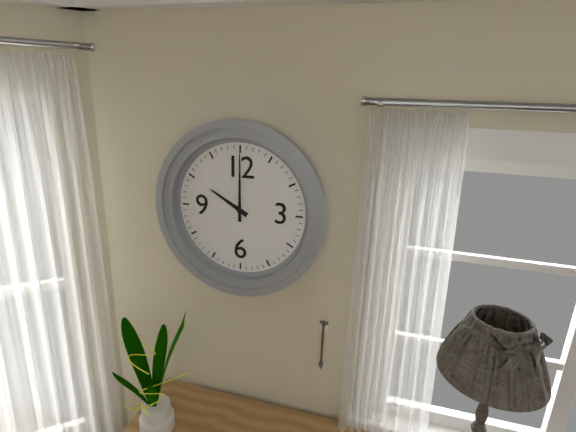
10:00
